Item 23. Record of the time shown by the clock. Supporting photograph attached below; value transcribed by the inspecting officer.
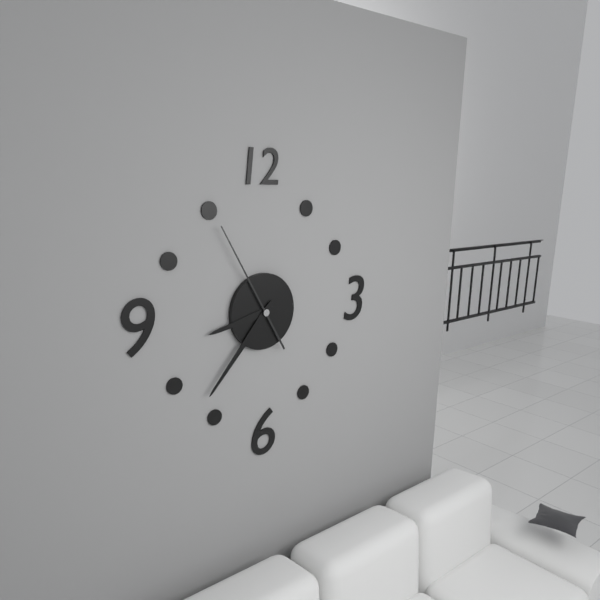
8:37:55
